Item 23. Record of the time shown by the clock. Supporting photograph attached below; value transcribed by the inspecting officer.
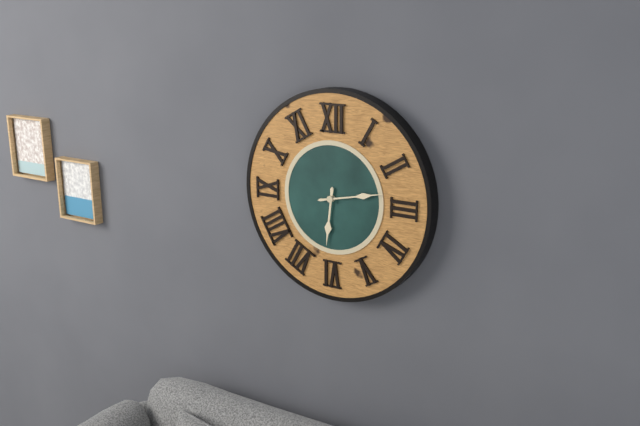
6:13
